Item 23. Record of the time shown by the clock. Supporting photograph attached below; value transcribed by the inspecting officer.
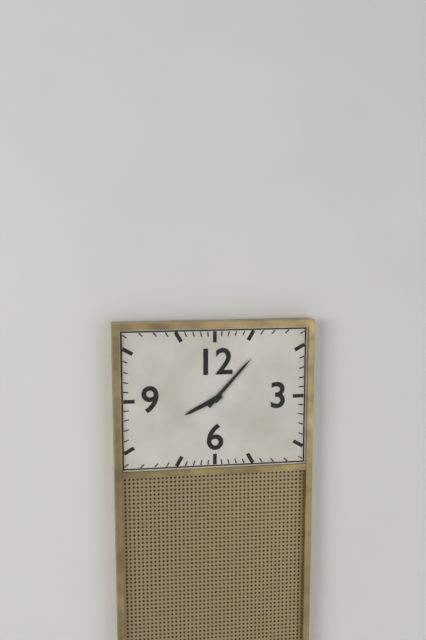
8:07
